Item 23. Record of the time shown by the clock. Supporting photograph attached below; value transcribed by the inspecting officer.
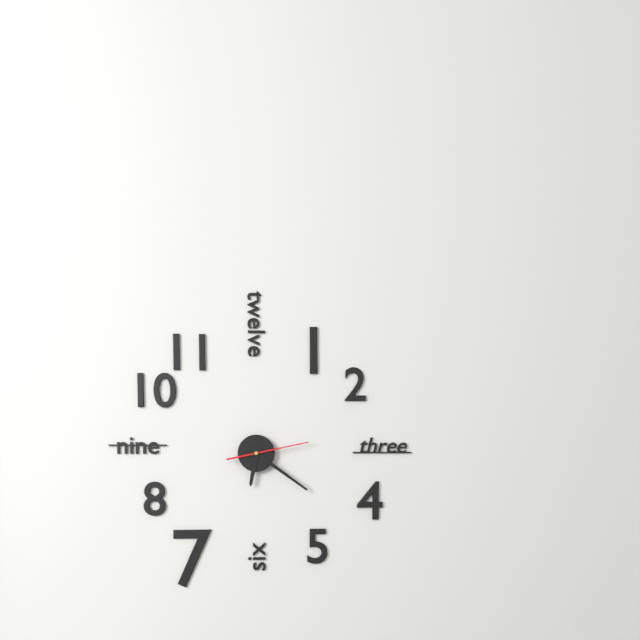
6:21:13
